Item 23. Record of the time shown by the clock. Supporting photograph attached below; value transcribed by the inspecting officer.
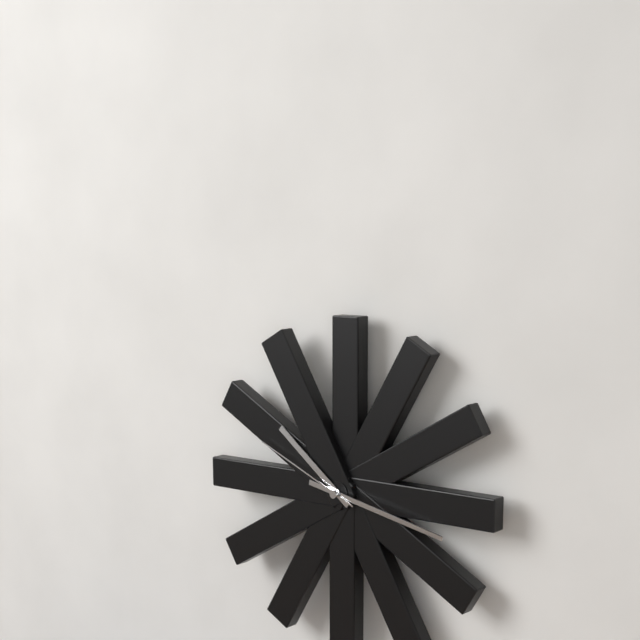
10:17:49
